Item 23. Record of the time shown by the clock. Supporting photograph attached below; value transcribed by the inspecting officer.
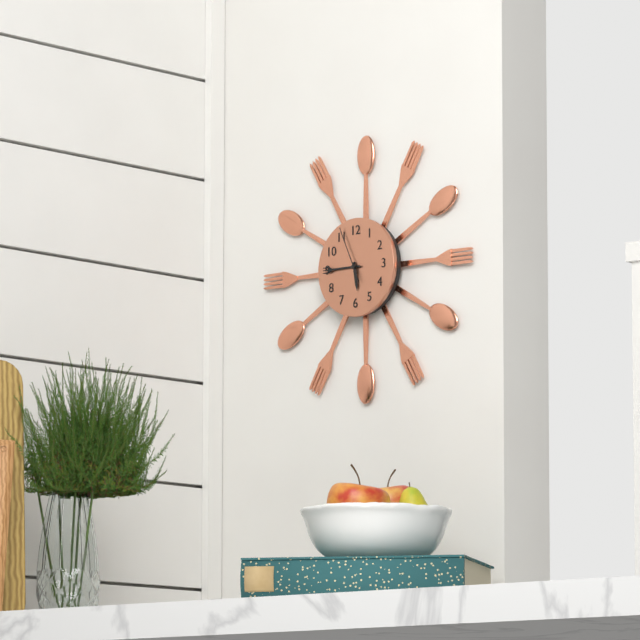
5:45:56
